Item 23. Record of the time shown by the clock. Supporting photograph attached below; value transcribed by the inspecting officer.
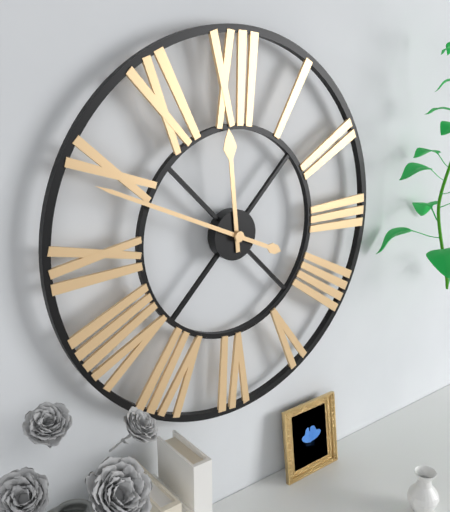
11:49
